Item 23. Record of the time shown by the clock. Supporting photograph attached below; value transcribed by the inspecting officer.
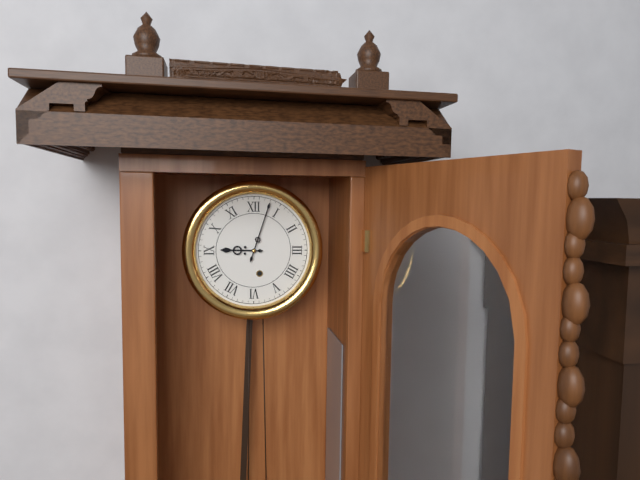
9:03
